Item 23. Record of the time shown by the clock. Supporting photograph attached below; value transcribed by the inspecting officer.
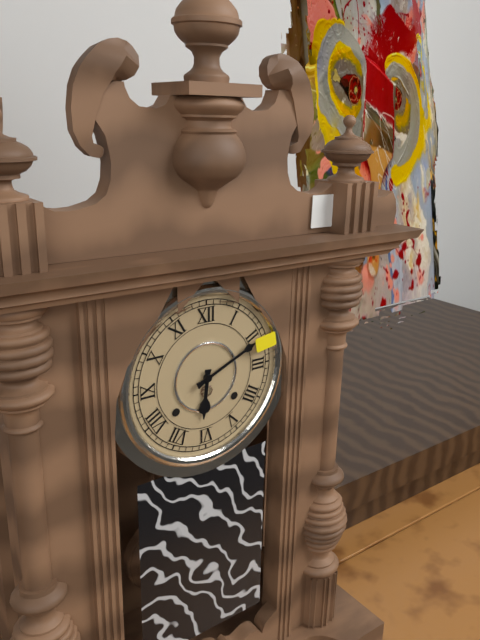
6:11
